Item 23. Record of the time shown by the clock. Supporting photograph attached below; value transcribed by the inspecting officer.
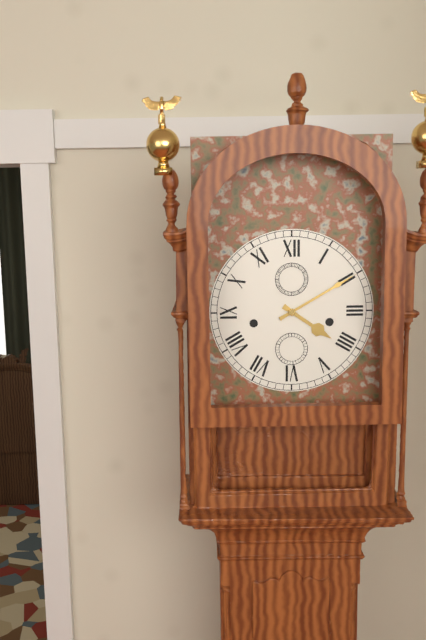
4:10
